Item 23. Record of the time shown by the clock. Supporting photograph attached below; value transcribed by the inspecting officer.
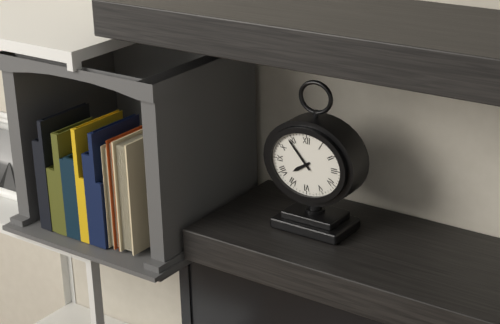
7:53
